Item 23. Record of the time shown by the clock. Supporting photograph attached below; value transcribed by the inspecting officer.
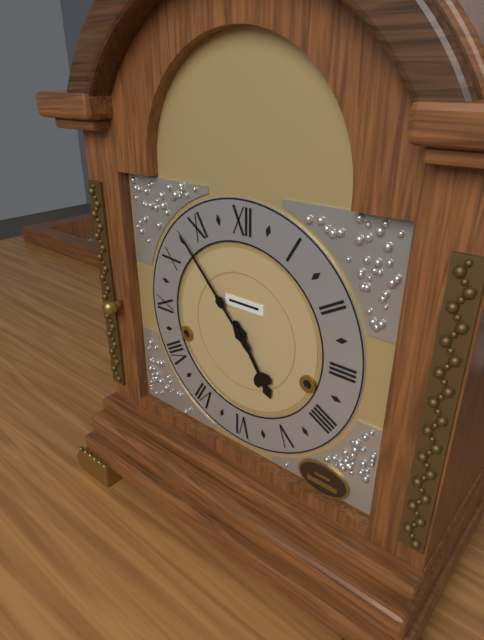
4:53
